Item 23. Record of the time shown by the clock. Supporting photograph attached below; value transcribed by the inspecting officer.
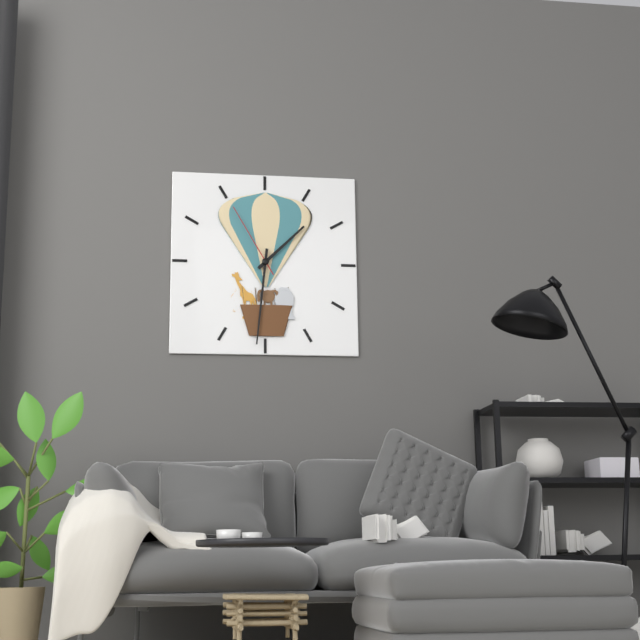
1:31:55
